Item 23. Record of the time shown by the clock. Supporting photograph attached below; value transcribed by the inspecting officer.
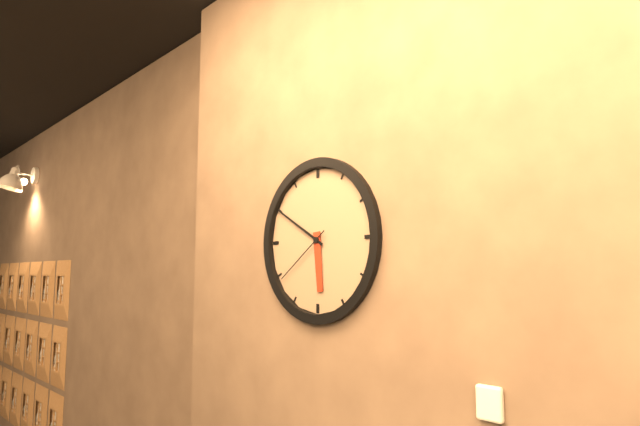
5:50:39
